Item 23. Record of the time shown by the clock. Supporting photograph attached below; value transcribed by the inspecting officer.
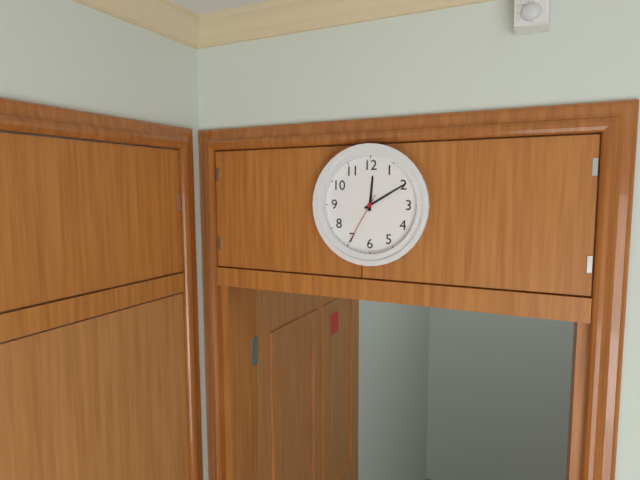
12:10:35
